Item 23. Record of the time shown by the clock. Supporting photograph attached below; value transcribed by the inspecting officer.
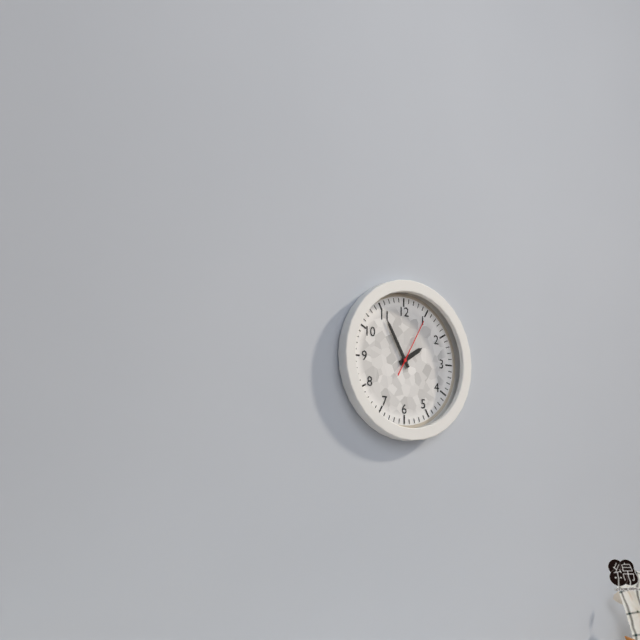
1:55:05
